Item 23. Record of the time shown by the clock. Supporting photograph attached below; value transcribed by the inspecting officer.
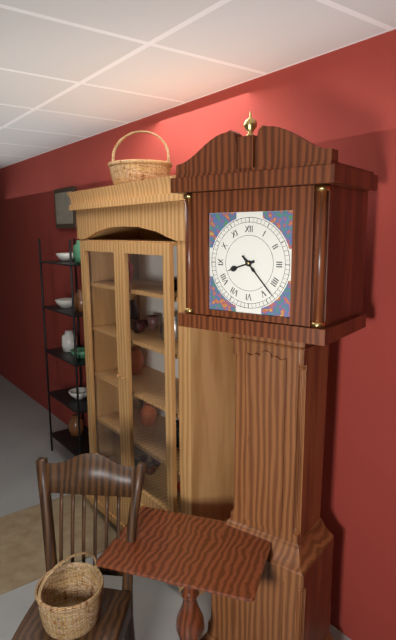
8:23
